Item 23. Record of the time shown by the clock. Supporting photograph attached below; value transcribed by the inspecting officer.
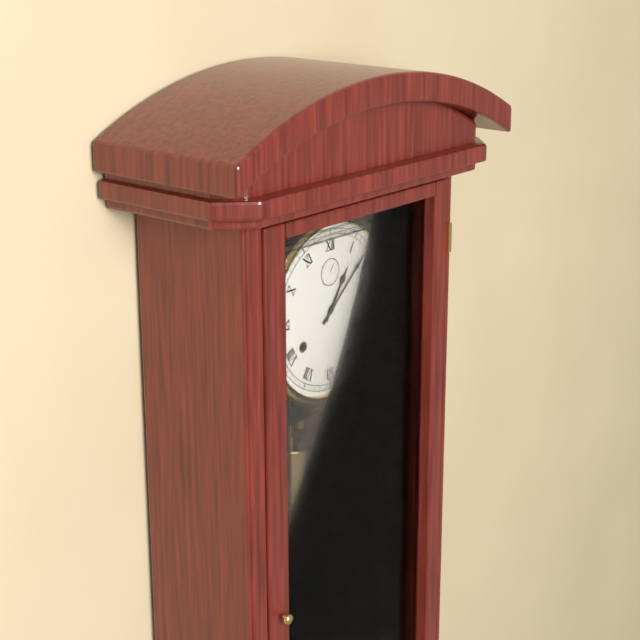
1:08
